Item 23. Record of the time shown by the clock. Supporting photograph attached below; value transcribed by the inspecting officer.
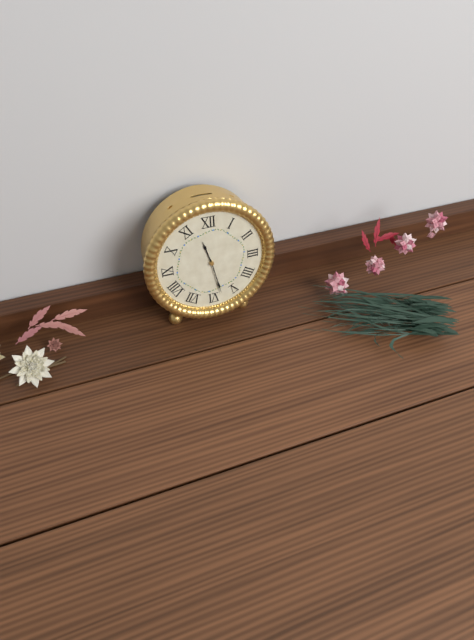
11:28
